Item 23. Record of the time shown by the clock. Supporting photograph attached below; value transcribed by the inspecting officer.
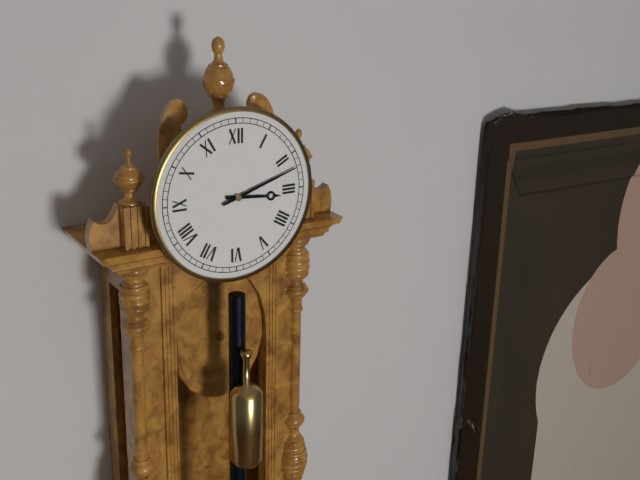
3:12
